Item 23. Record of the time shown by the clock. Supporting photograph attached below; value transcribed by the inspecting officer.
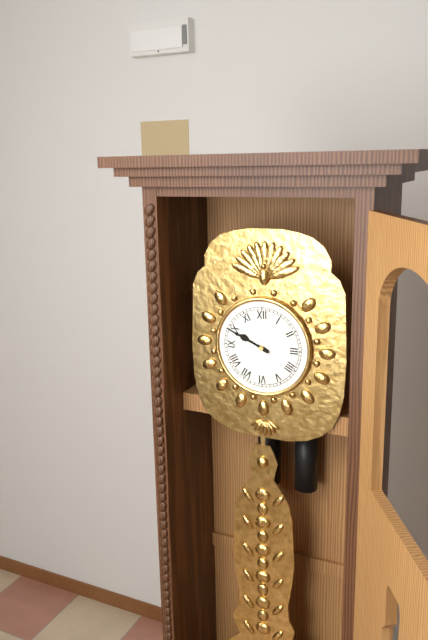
9:49
